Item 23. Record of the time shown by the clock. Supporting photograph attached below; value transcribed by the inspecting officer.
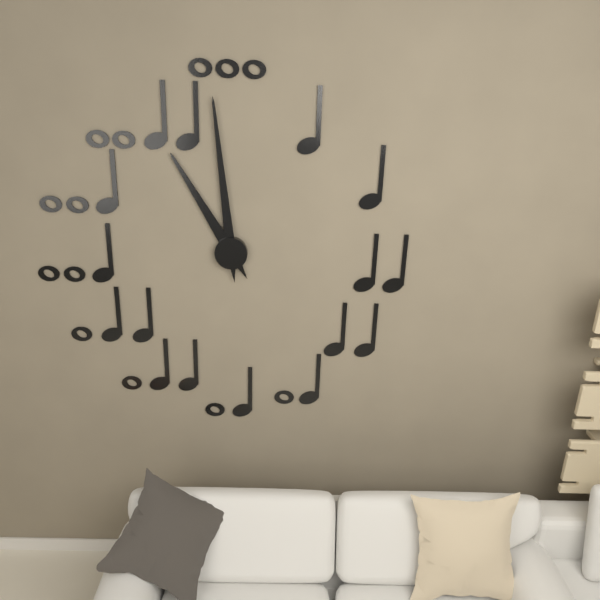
10:59
